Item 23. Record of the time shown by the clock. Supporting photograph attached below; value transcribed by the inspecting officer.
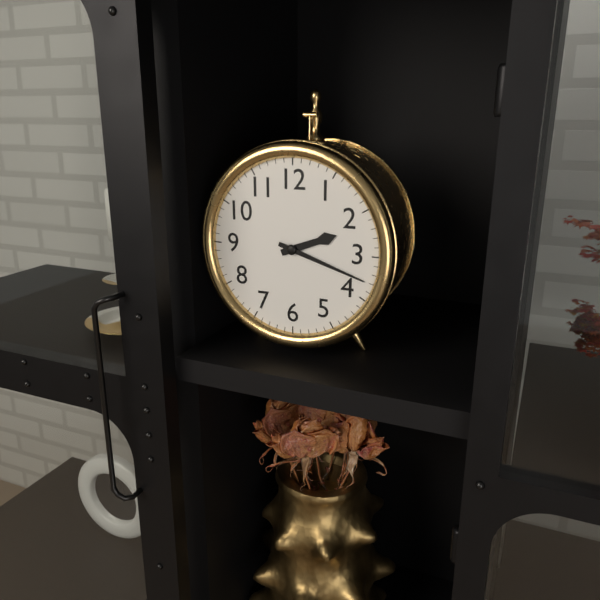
2:18
